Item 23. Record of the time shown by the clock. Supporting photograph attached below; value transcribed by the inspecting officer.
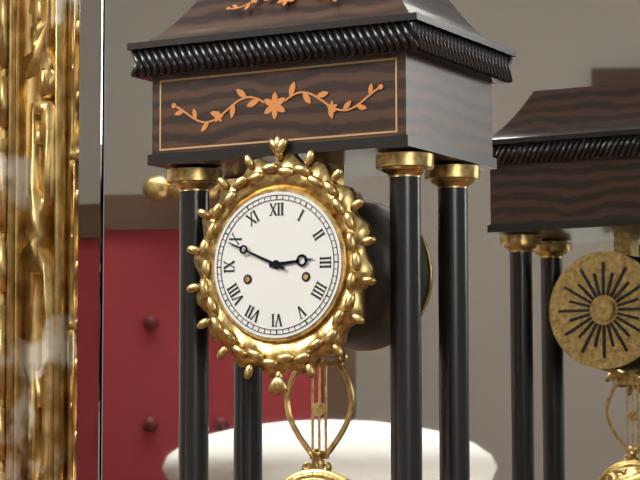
2:49
